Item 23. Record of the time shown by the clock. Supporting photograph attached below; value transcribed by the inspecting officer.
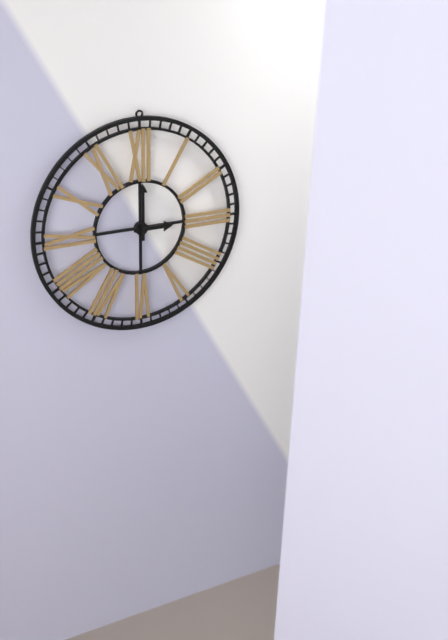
3:00
